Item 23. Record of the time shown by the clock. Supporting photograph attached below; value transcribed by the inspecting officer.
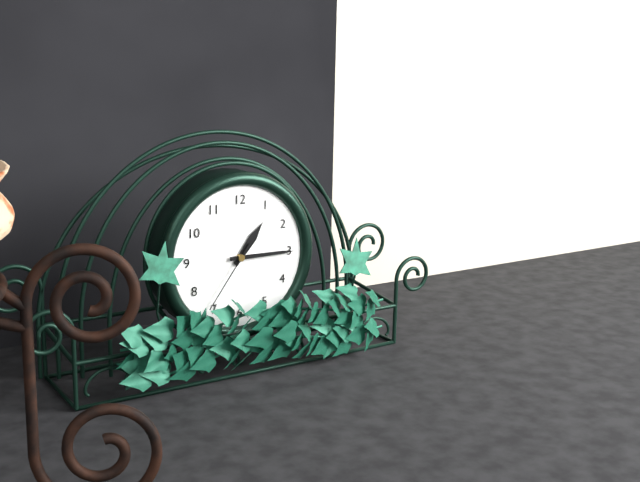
1:15:36
